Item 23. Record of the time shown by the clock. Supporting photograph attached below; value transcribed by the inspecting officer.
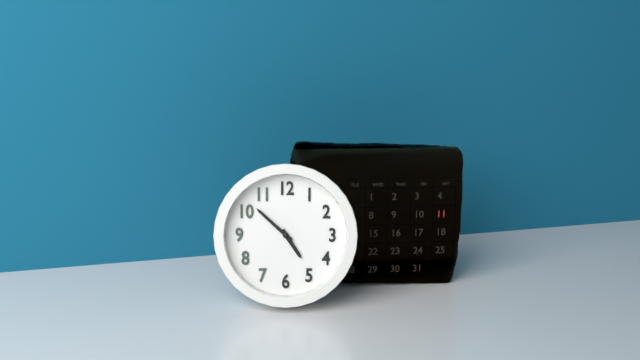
4:52
